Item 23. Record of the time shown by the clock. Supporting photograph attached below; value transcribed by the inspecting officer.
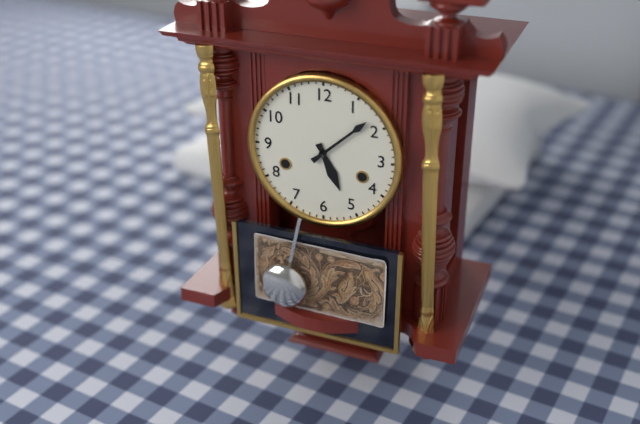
5:08
